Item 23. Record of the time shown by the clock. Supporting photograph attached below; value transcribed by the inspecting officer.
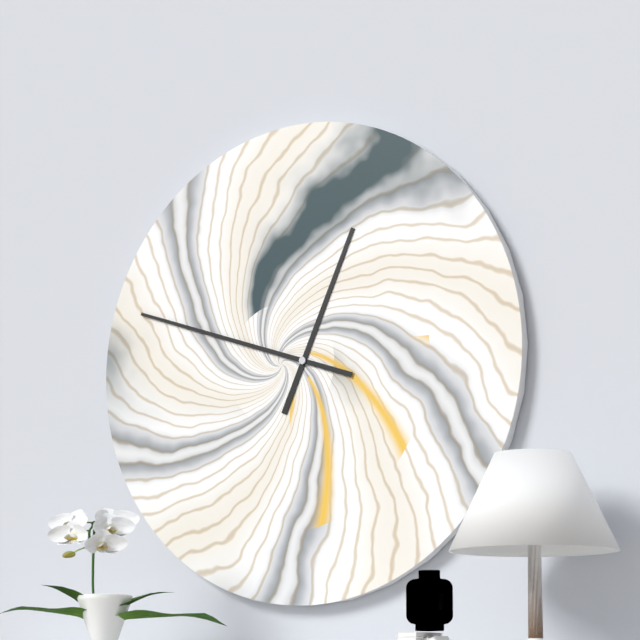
12:48
